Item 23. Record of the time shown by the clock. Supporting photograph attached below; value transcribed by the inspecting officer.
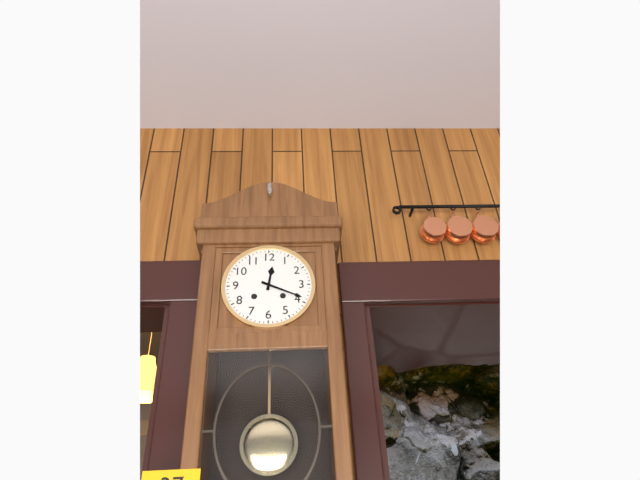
12:19
